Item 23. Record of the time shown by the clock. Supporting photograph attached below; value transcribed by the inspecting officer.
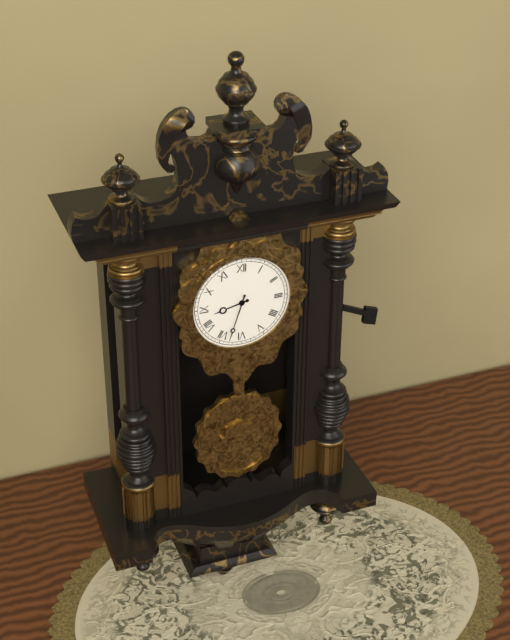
8:33
